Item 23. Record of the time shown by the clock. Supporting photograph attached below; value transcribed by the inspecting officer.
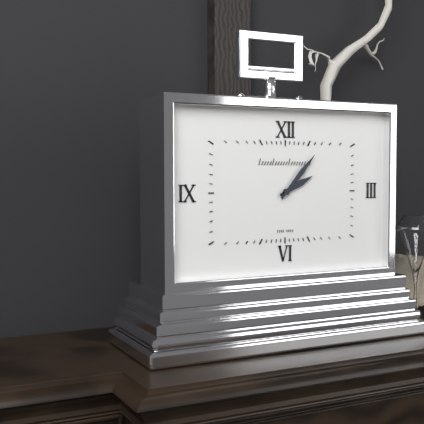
2:07
